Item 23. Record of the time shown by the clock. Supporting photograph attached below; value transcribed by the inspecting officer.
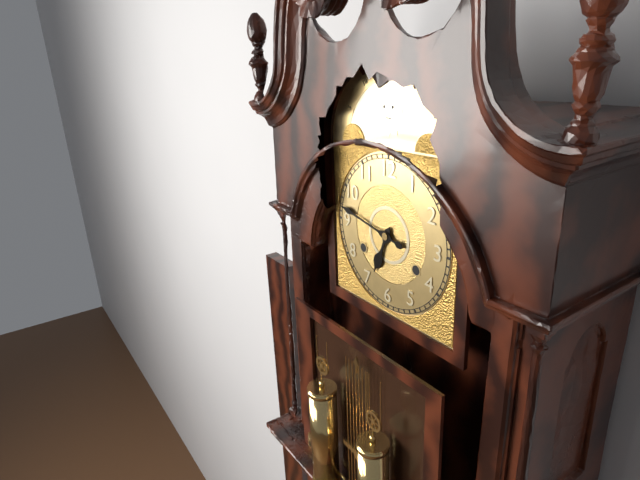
6:47
